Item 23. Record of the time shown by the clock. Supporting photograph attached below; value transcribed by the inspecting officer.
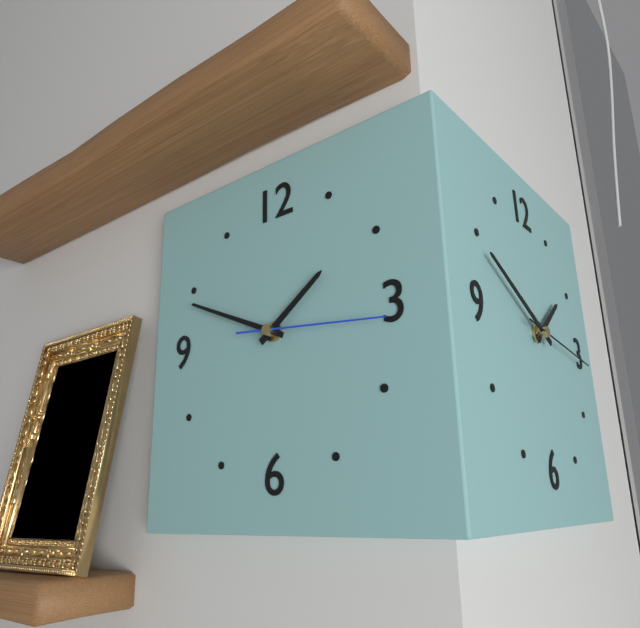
1:49:16
